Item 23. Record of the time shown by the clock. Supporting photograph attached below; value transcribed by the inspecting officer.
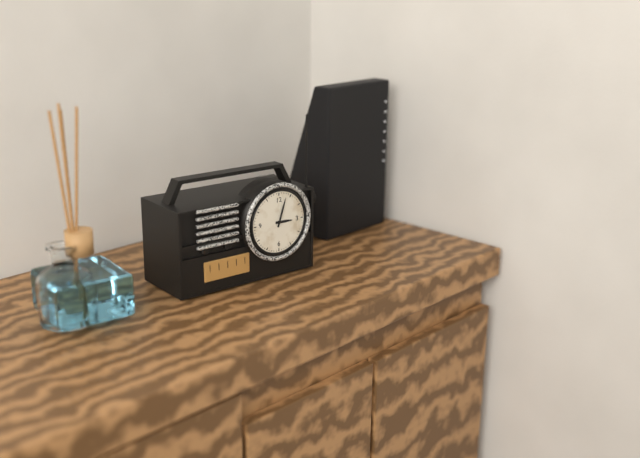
3:03
